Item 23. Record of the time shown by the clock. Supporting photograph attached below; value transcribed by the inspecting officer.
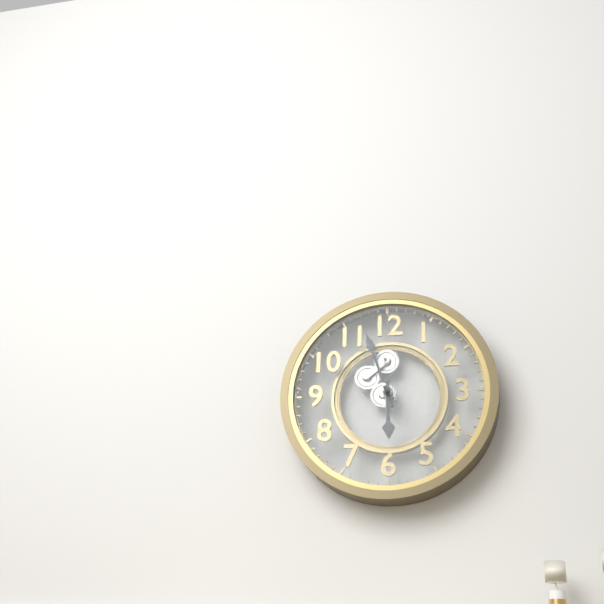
5:57
